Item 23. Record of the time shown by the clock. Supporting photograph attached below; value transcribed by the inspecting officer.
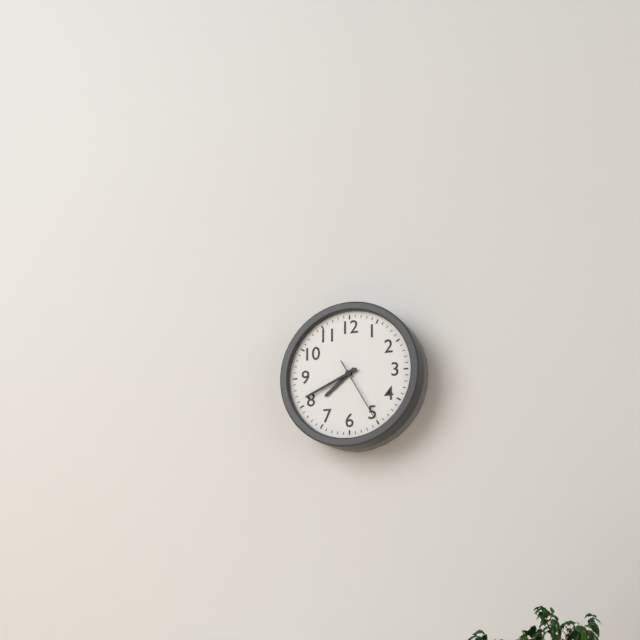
7:41
